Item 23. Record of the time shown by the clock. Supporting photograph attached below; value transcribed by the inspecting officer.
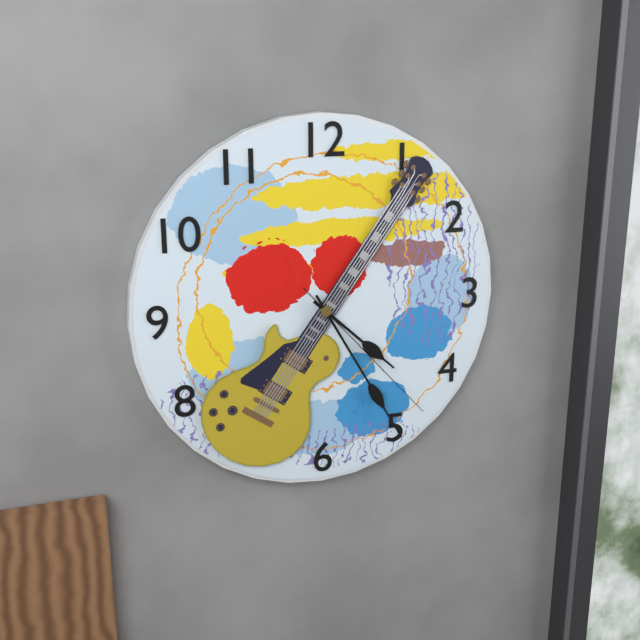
4:25:23
